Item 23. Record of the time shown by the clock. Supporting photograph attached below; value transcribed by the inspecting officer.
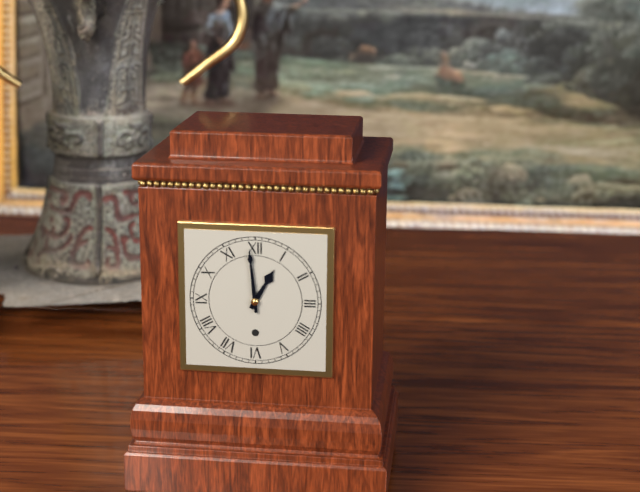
12:59
